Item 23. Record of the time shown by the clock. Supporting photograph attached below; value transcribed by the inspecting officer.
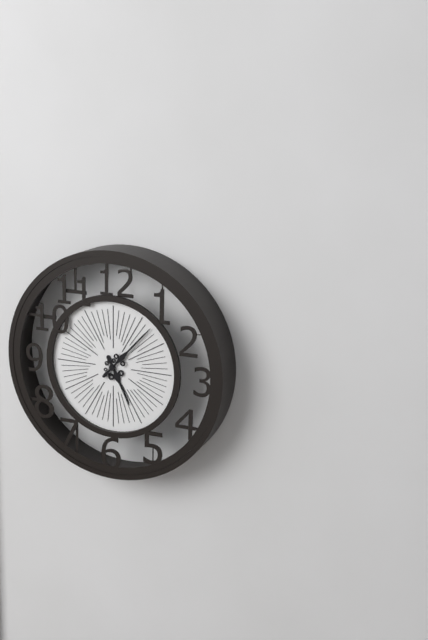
5:07
